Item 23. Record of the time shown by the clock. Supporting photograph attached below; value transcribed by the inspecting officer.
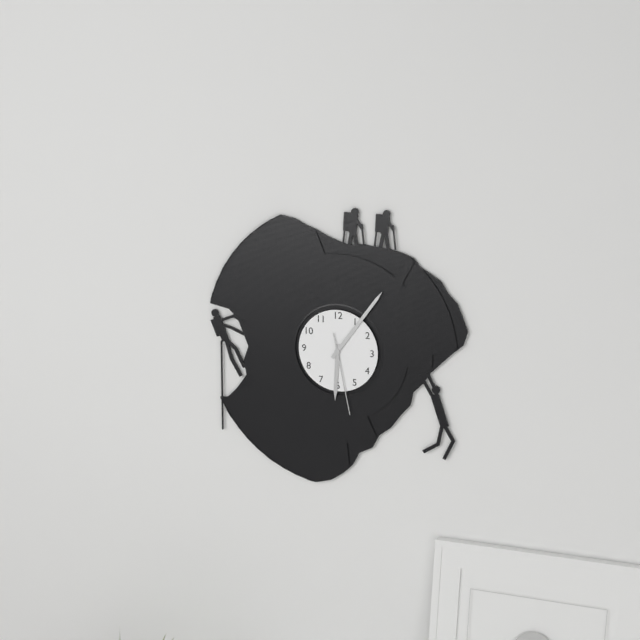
6:06:28
